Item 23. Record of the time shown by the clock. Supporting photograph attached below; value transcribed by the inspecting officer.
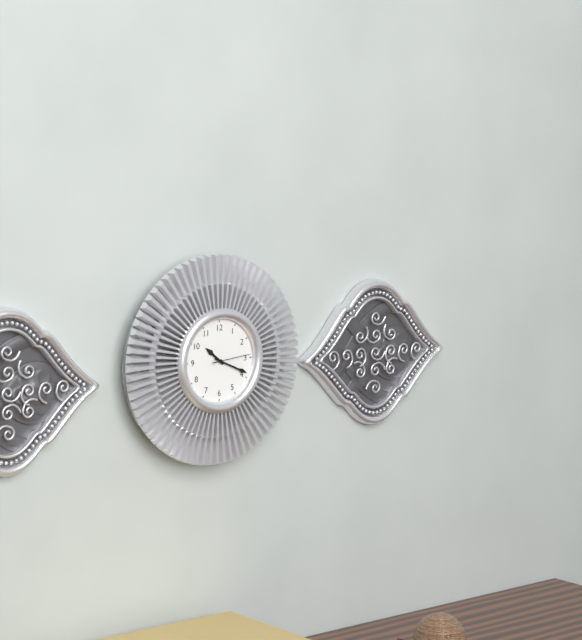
10:19
